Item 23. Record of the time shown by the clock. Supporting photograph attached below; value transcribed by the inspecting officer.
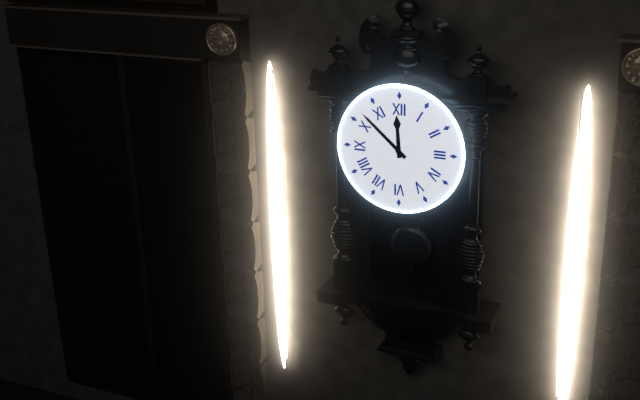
11:52
